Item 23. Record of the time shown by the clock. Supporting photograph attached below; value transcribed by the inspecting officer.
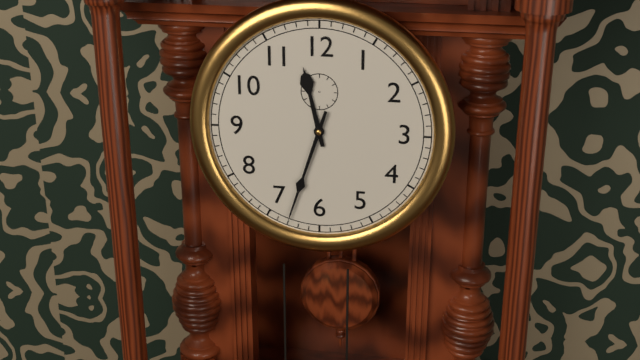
11:33
